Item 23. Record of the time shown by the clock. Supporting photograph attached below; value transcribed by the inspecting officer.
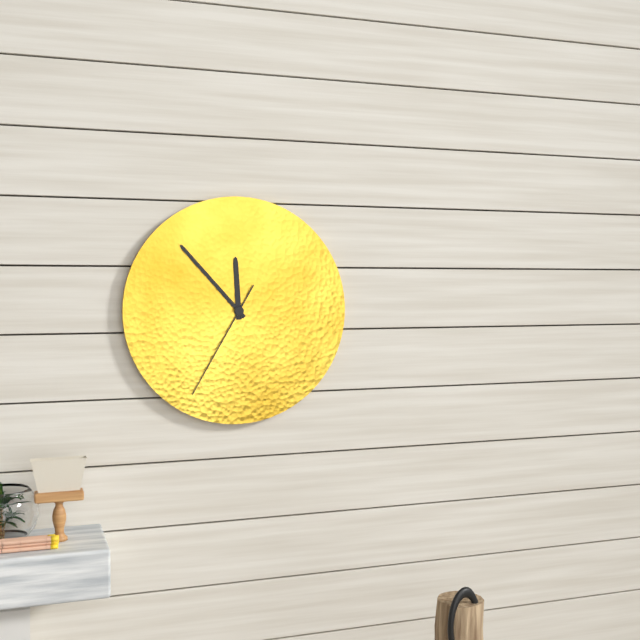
11:53:35
